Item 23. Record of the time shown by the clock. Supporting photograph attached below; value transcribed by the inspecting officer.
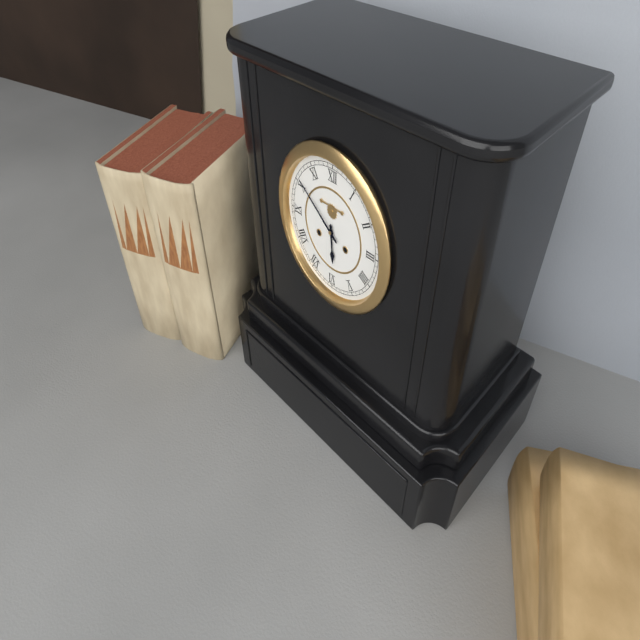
5:51
